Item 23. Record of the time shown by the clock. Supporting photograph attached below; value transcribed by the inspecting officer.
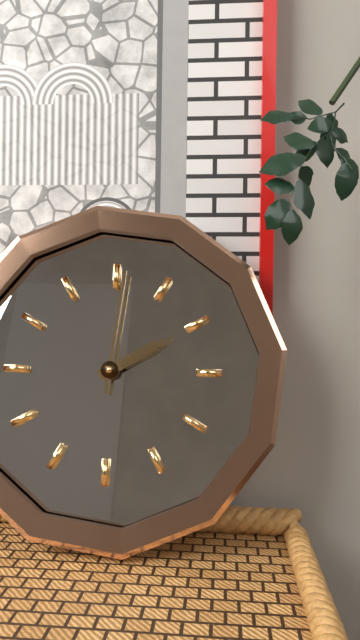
2:01
